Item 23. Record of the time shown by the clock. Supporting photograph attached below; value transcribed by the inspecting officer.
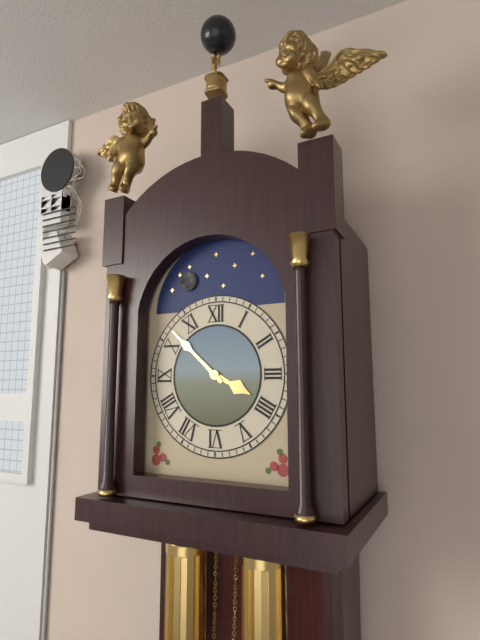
3:52
